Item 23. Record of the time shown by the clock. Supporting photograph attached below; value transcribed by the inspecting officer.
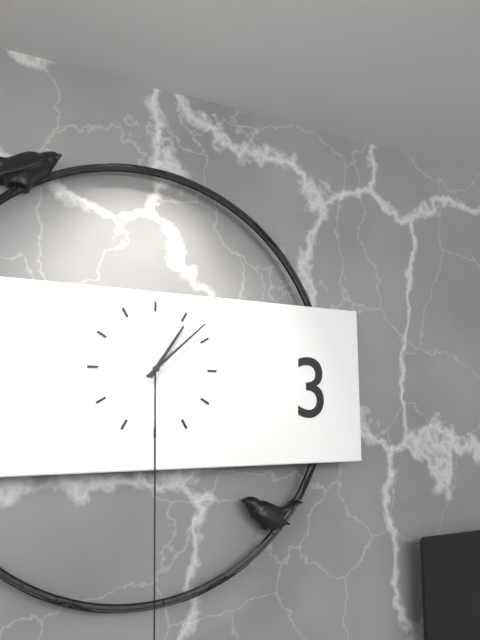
1:08
